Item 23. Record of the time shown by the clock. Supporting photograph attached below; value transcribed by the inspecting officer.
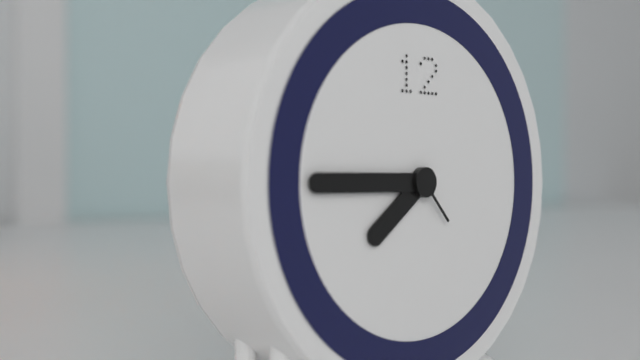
7:45:23
